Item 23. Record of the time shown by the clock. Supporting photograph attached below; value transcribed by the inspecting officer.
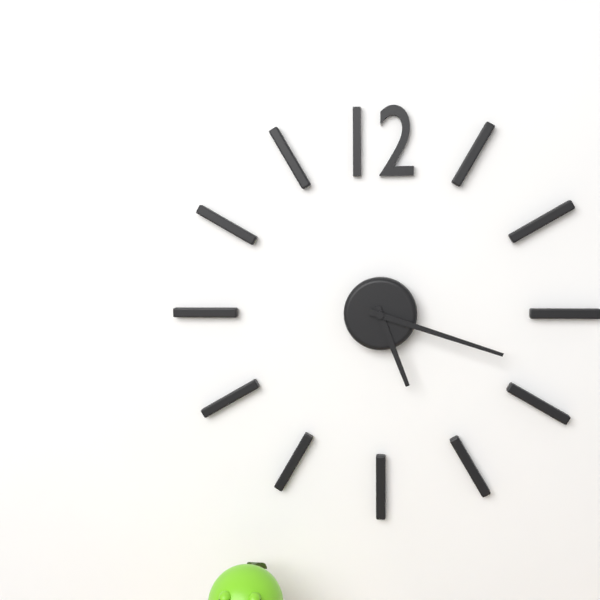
5:18
